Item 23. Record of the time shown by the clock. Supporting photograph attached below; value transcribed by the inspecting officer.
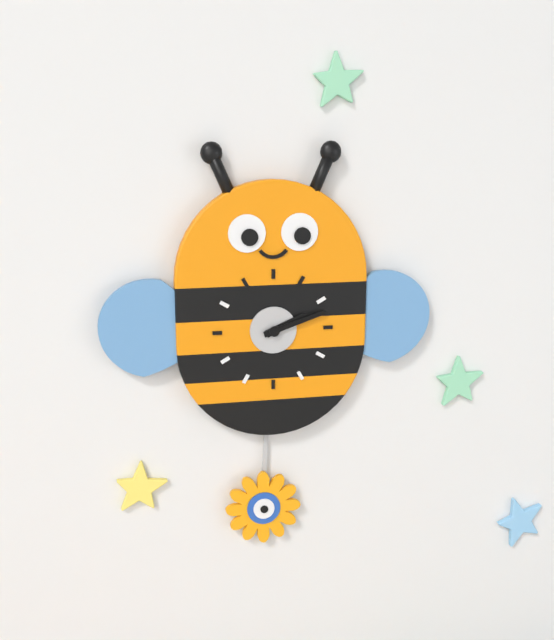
2:12
